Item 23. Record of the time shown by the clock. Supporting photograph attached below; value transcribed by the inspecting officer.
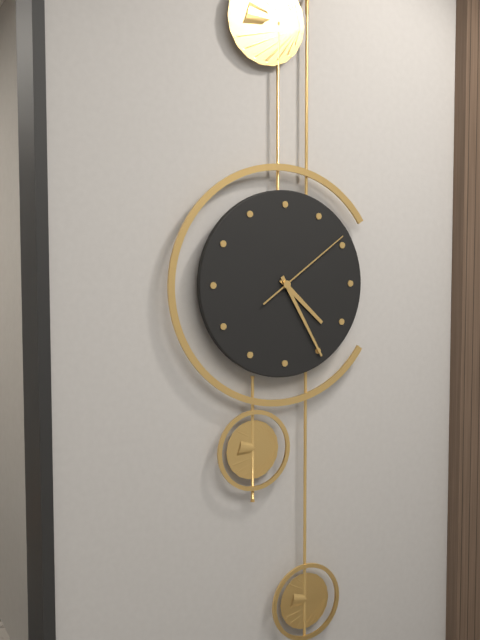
4:25:09
